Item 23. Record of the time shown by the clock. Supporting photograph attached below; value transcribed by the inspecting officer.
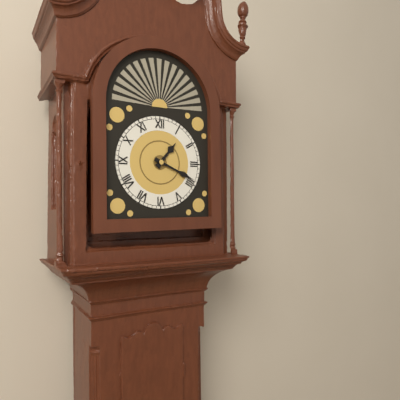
1:19
